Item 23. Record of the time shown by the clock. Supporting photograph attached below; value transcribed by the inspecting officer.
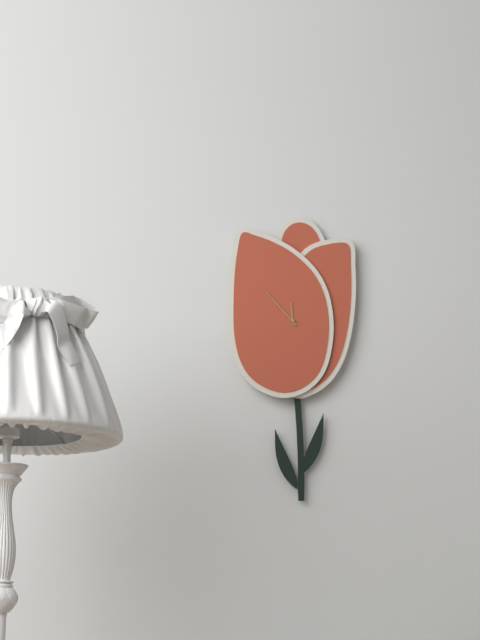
11:53
